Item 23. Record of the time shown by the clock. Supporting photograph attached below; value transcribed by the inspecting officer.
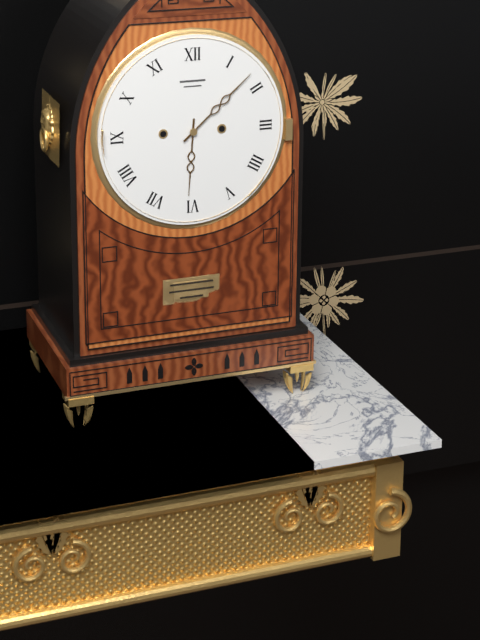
6:08
